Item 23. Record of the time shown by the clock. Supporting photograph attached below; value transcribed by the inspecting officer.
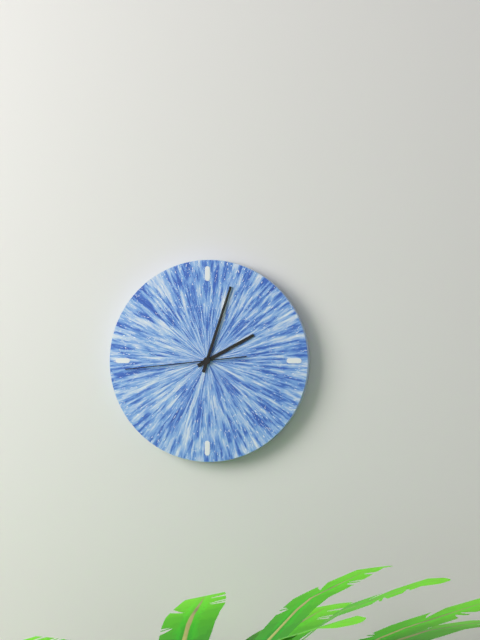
2:03:44
